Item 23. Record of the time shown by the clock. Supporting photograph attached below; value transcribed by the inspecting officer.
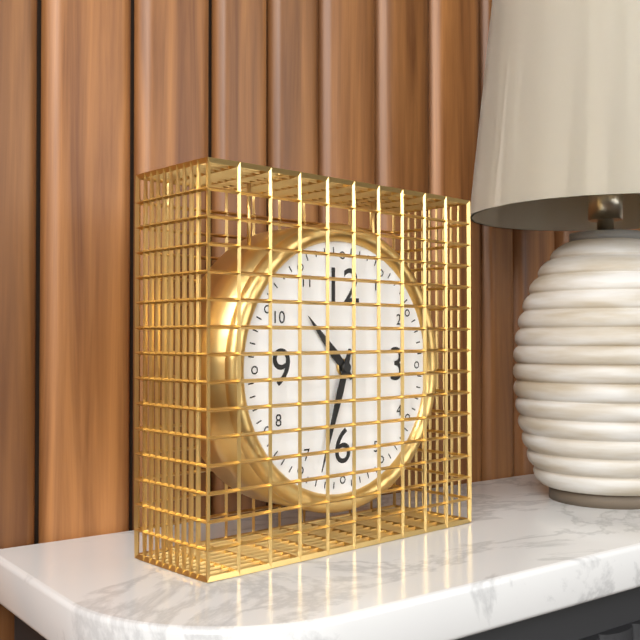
10:33
